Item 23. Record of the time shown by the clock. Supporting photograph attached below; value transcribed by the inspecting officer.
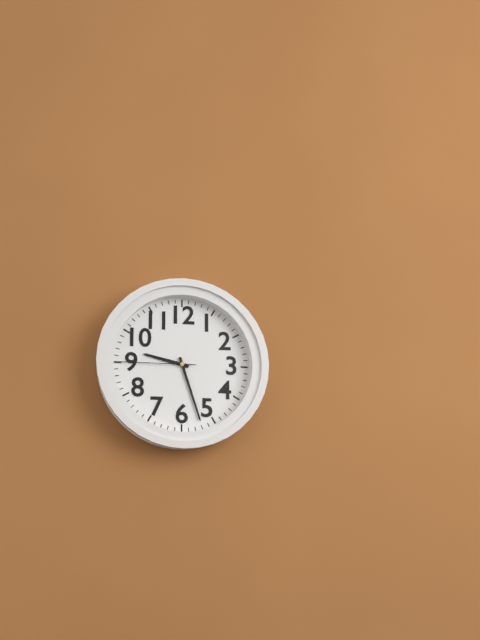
9:27:45
